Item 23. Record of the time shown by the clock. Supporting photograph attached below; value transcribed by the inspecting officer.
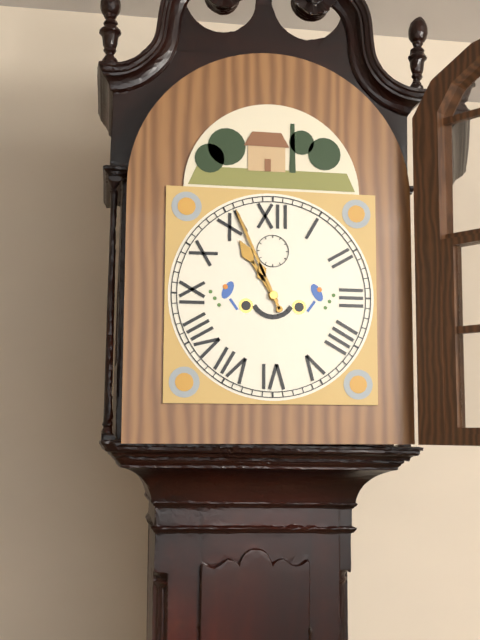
10:56
